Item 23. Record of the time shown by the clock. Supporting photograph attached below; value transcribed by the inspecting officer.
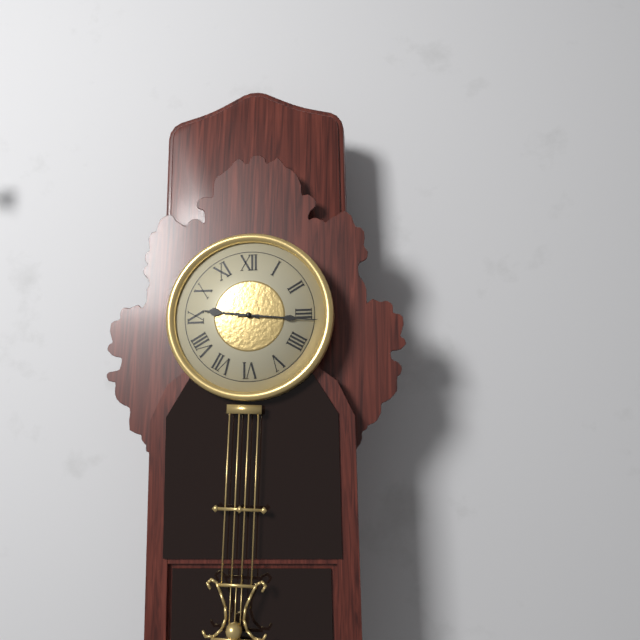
9:16
